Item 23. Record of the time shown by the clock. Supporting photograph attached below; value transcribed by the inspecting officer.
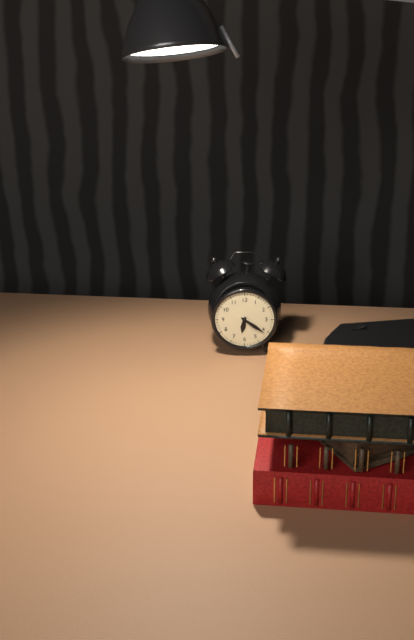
6:21
